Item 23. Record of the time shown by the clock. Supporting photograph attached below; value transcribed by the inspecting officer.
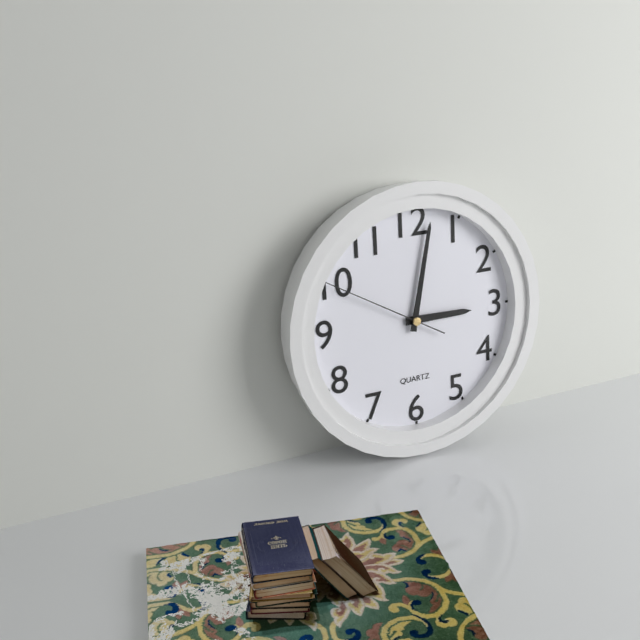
3:02:50
